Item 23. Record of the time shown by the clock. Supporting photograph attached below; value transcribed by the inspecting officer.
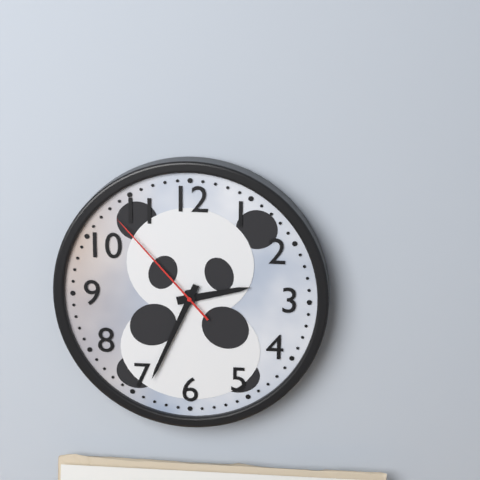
2:34:53
